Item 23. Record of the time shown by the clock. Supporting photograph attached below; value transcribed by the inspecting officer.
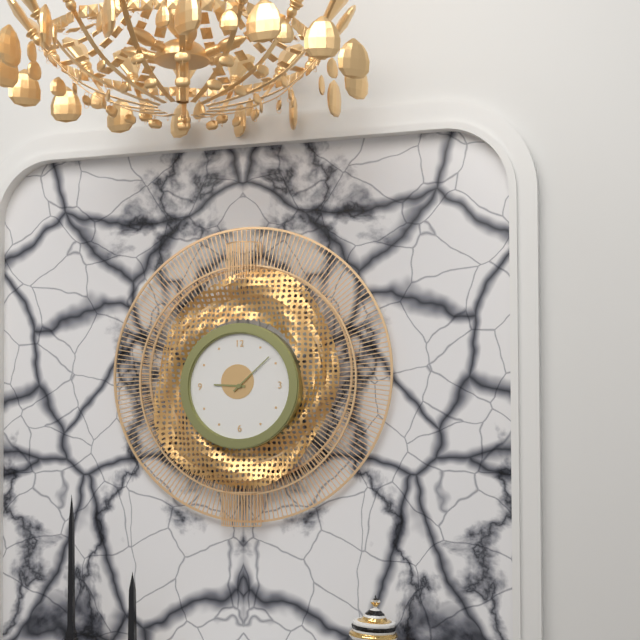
9:08
